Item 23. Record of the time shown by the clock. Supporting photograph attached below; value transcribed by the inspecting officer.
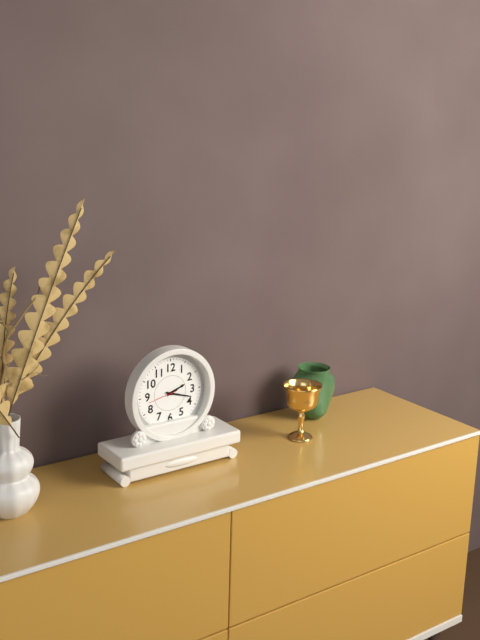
2:18
